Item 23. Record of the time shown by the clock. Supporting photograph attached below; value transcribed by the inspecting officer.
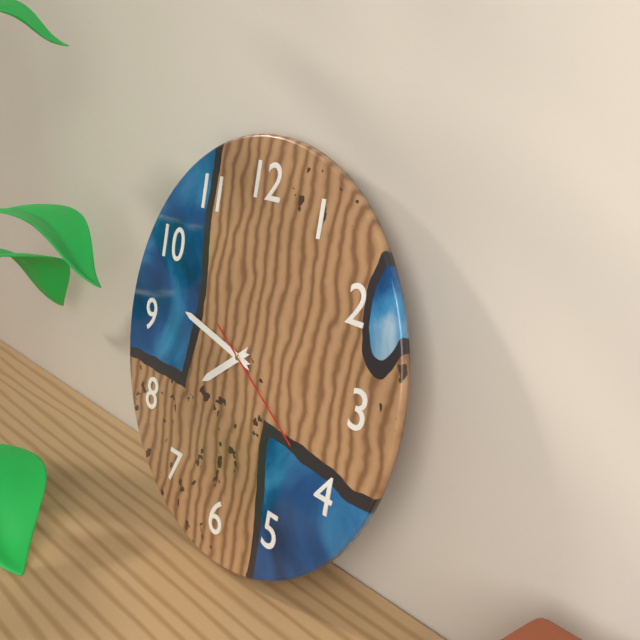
7:47:20
